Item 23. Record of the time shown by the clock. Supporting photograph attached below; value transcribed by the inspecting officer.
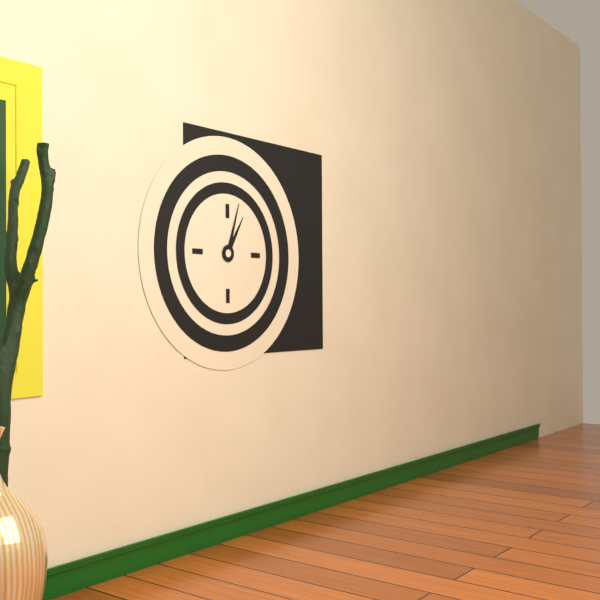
1:03
